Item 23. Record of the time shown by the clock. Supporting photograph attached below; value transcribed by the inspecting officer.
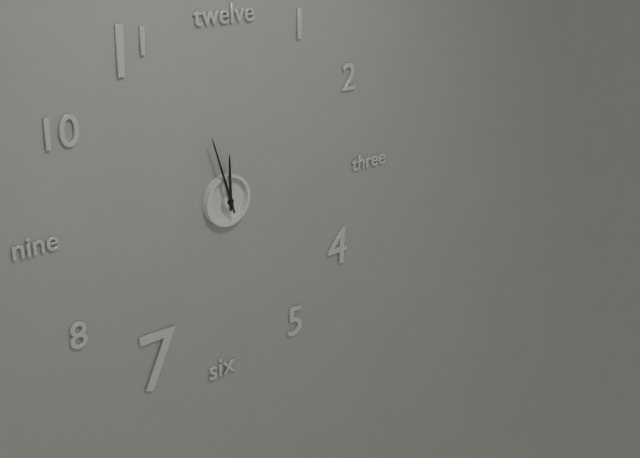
11:57
